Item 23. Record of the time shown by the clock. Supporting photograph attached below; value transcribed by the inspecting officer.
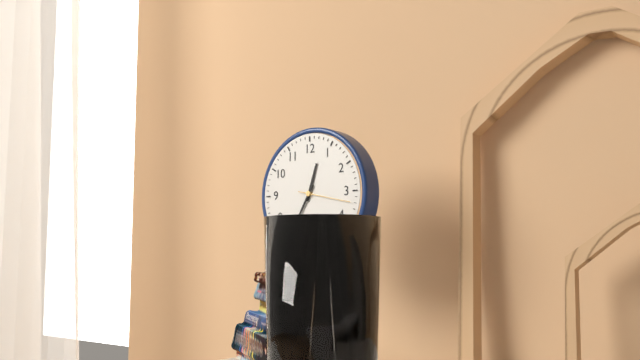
12:35:17
